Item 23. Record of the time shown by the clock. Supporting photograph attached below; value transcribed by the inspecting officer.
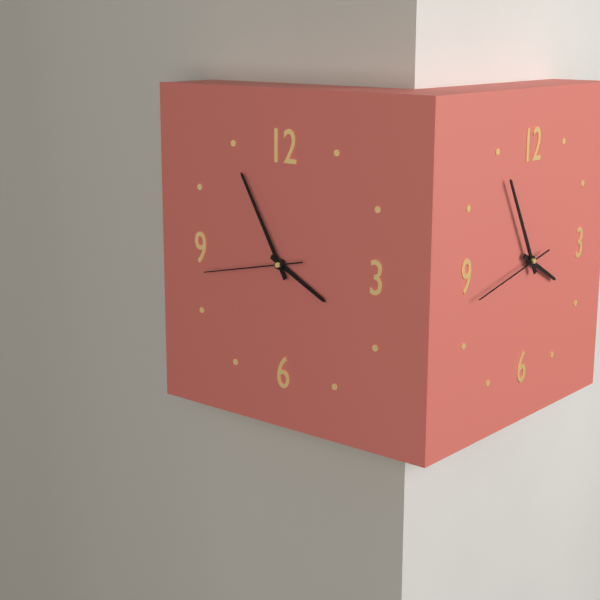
3:55:43
